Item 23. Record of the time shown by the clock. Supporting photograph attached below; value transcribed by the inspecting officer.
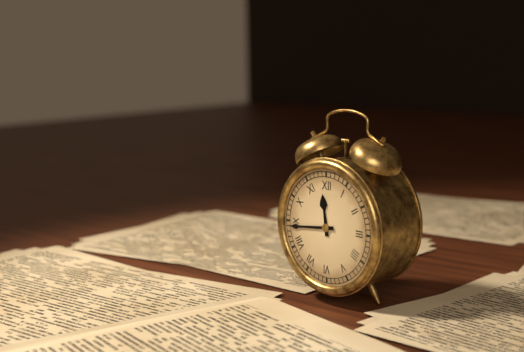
11:44
